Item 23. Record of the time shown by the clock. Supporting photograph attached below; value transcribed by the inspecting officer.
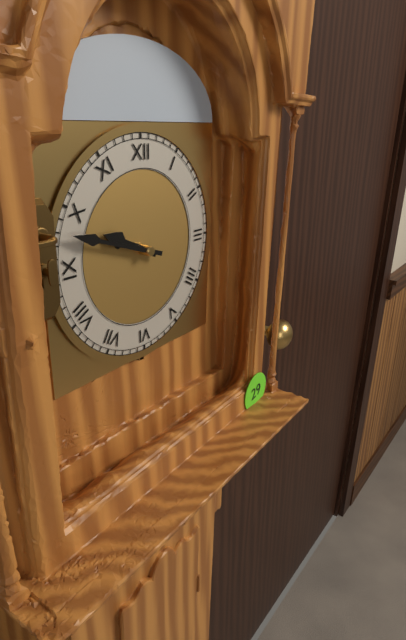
9:48
